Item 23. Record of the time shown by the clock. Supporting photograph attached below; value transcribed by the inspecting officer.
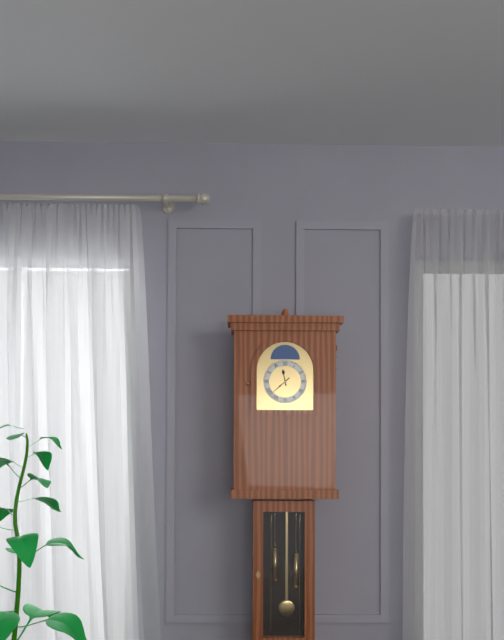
11:38
